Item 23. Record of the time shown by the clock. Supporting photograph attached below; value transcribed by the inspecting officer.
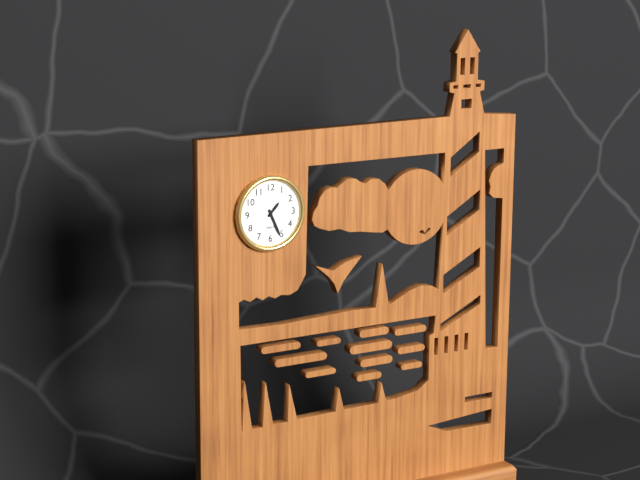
1:26
